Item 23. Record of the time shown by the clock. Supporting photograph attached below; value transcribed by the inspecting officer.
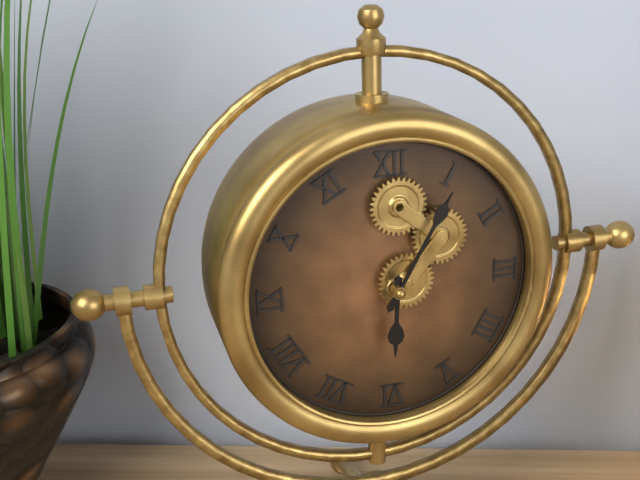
6:05
